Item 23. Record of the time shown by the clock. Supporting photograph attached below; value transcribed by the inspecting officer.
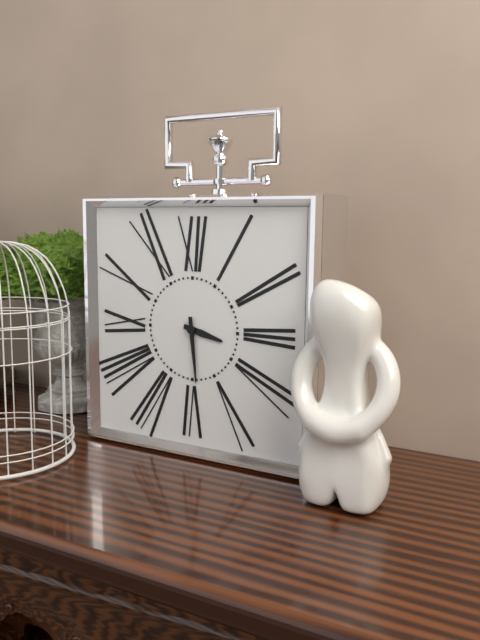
3:29
